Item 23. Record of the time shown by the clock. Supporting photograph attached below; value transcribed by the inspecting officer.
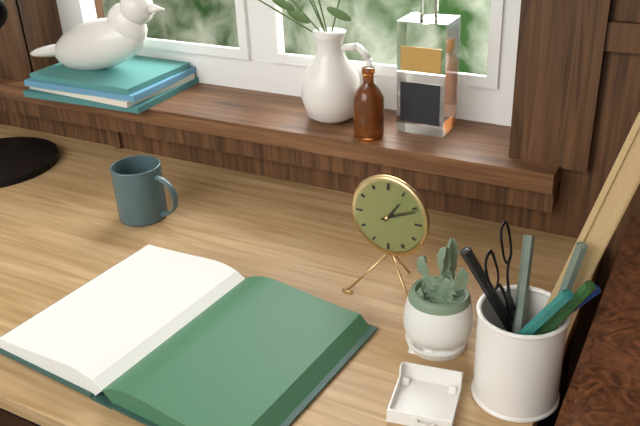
1:11
